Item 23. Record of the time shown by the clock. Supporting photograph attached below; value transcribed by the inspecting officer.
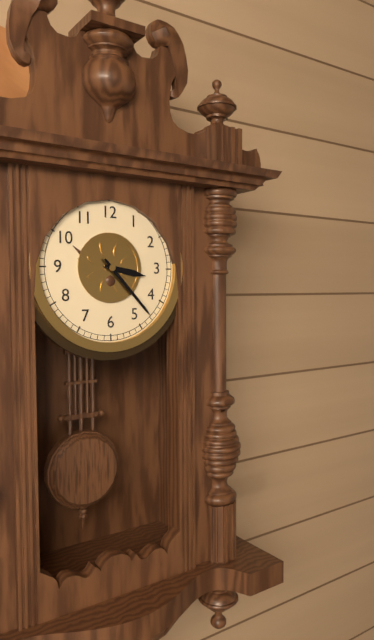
3:23
